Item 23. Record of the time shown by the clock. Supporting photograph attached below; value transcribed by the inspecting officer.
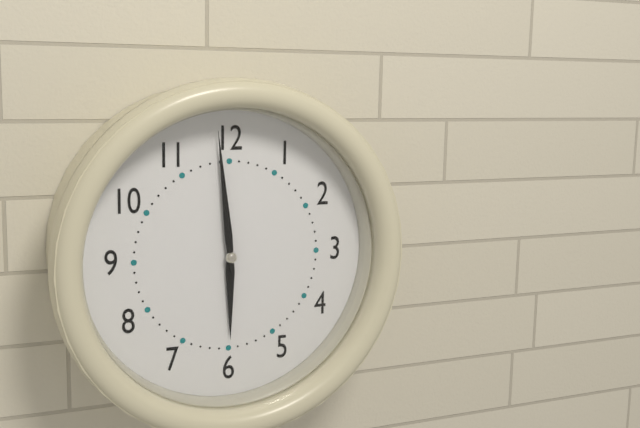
5:59
